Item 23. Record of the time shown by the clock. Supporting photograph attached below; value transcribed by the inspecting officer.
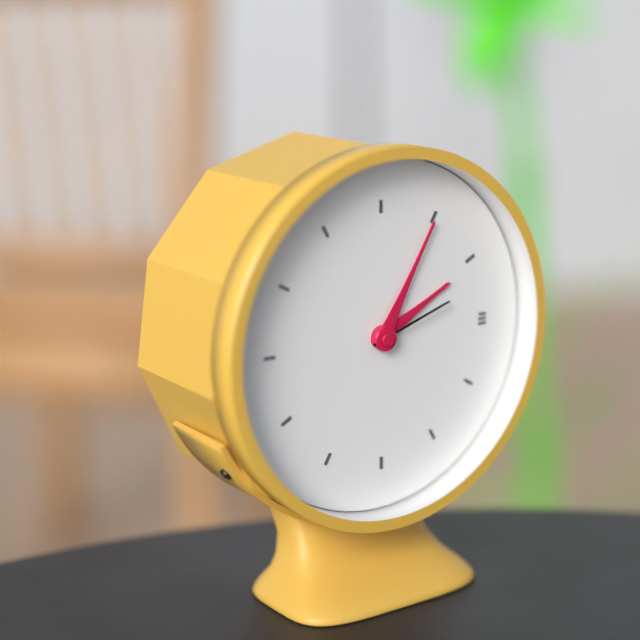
2:05:12
